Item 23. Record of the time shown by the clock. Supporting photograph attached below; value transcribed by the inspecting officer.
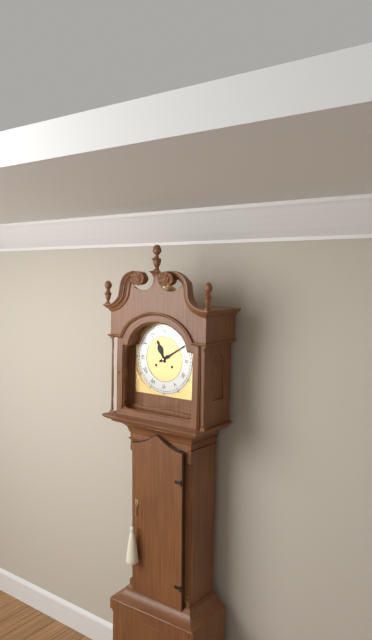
11:10
